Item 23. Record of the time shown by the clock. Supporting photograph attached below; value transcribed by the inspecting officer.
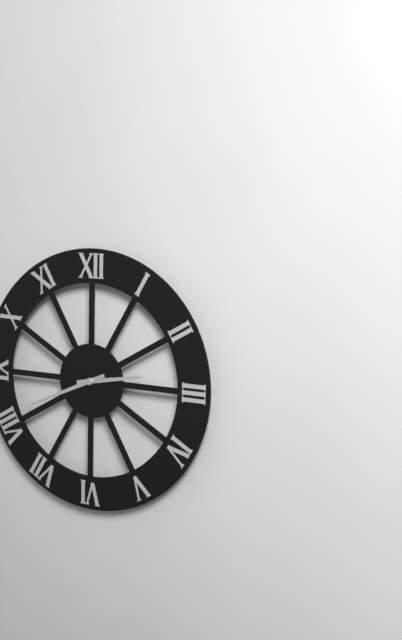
2:41
